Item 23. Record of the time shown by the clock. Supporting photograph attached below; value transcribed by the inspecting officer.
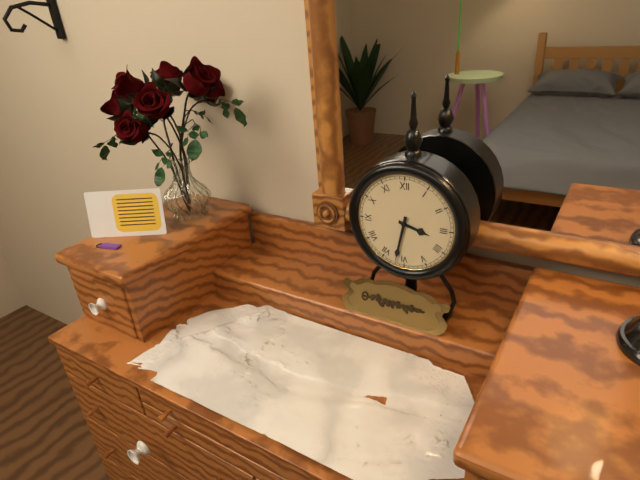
3:32
